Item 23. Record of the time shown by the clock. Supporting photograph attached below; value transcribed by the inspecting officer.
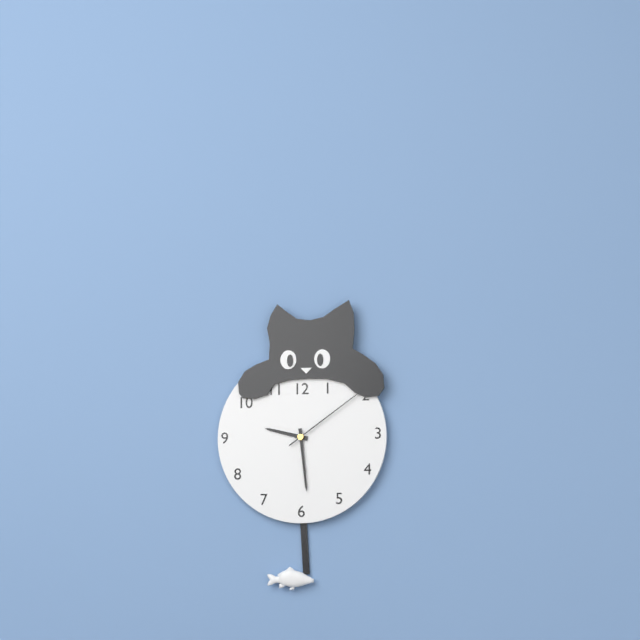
9:29:09
